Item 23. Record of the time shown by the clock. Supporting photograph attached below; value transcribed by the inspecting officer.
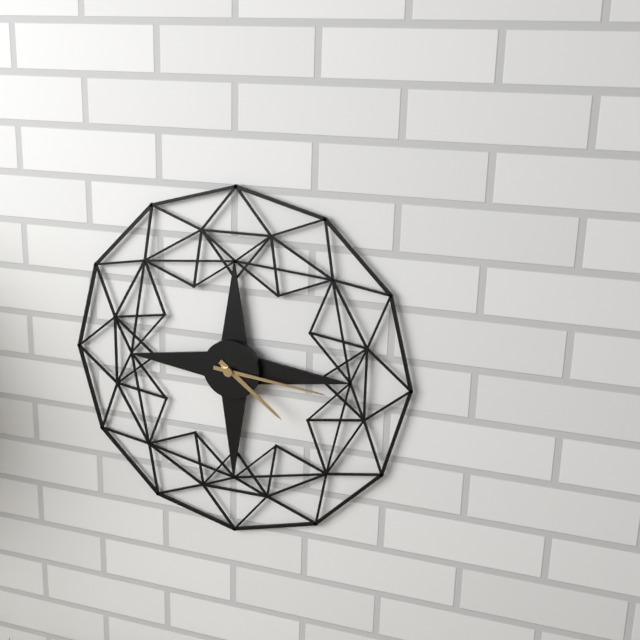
4:16
